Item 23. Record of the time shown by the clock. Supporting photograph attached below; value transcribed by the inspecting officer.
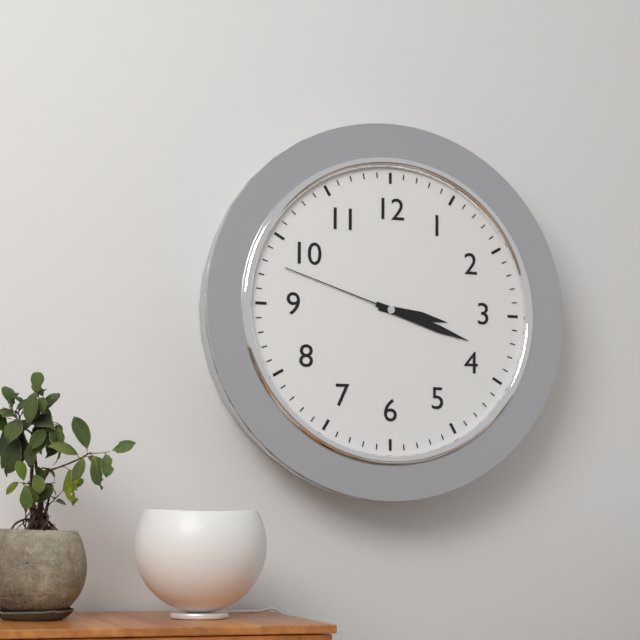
3:18:48
